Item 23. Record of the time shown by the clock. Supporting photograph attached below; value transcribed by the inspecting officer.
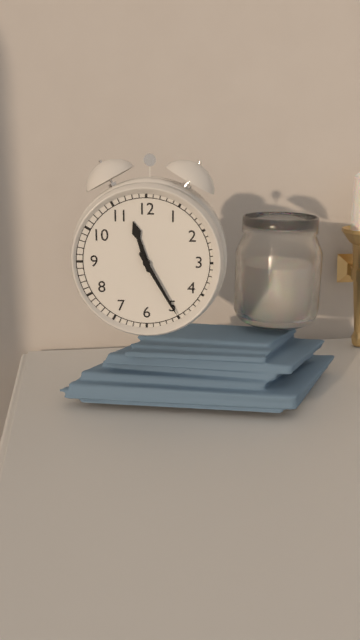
11:25
